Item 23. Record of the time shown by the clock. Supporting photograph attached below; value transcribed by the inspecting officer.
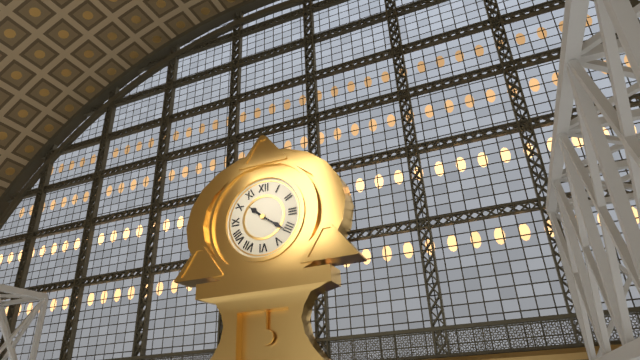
10:21
